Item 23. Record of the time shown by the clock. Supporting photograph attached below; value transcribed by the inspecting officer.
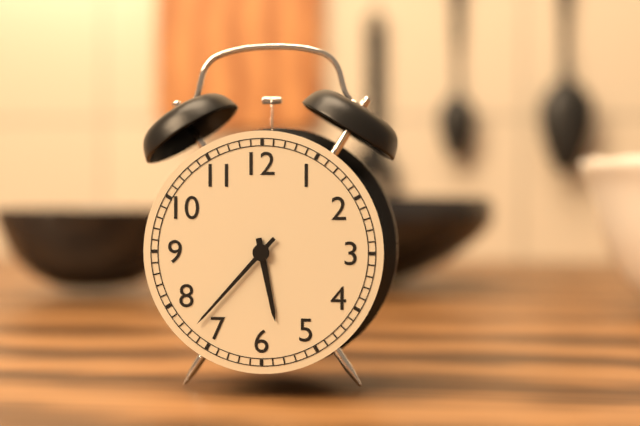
5:37
